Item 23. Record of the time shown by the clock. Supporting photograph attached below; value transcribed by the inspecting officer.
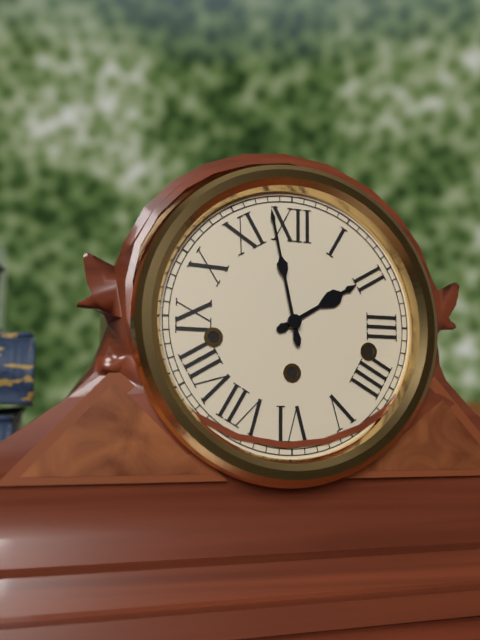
1:58
